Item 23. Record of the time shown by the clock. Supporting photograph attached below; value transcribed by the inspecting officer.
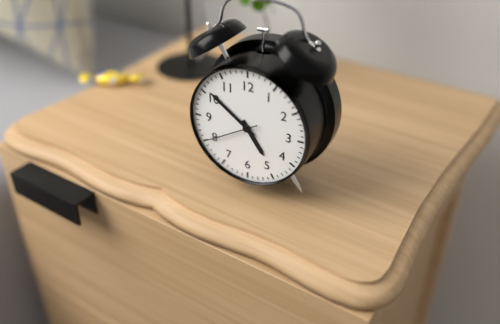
4:51:40
